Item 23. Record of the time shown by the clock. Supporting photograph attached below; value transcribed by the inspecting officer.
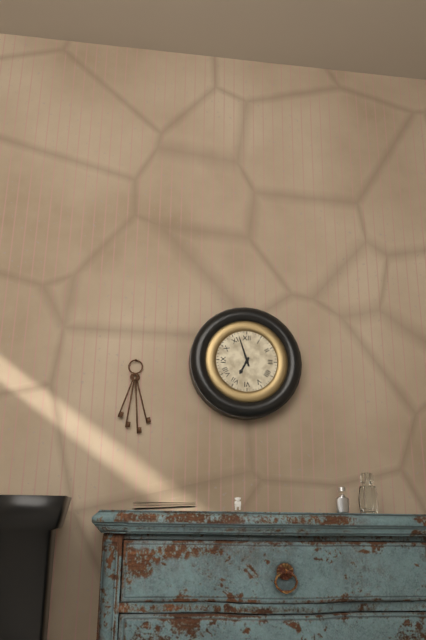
6:57
